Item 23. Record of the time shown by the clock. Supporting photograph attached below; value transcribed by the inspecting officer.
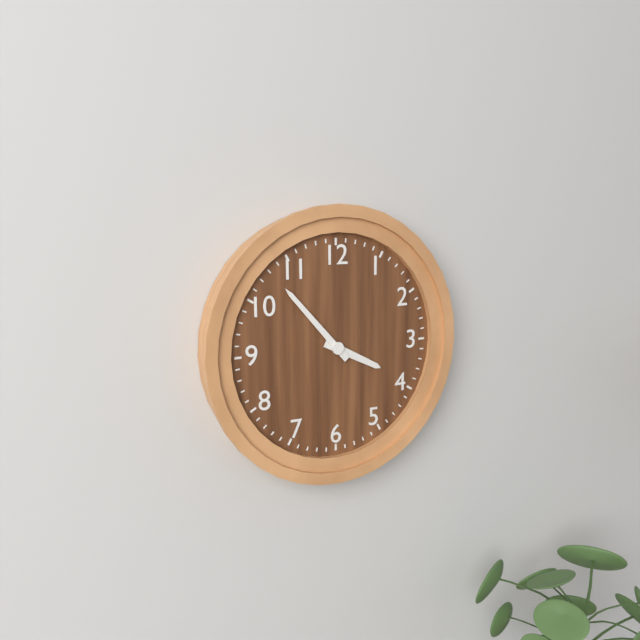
3:53
